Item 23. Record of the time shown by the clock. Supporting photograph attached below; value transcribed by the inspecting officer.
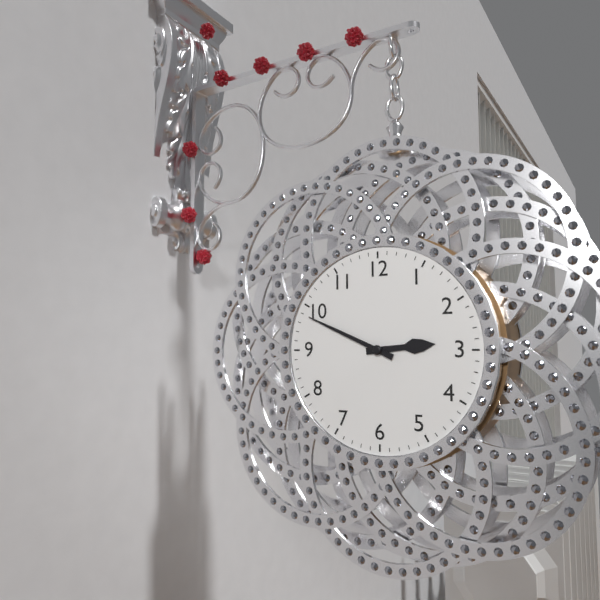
2:49
